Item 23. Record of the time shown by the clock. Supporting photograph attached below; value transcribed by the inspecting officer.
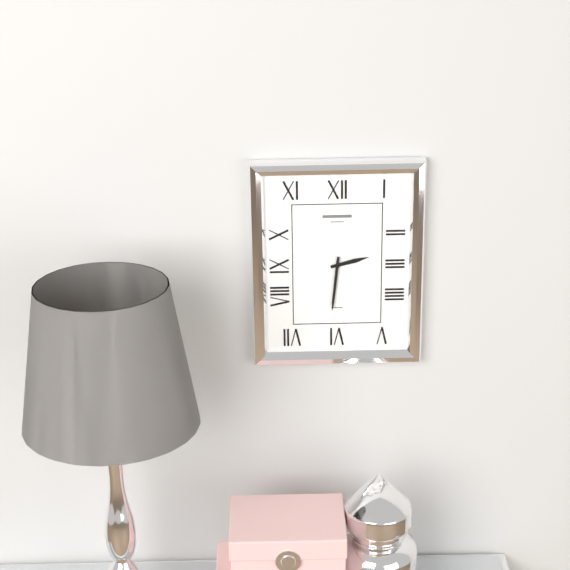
2:31
